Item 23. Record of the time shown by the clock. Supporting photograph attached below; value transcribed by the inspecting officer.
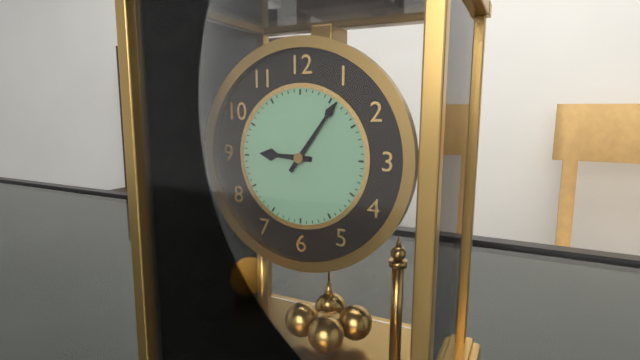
9:06
